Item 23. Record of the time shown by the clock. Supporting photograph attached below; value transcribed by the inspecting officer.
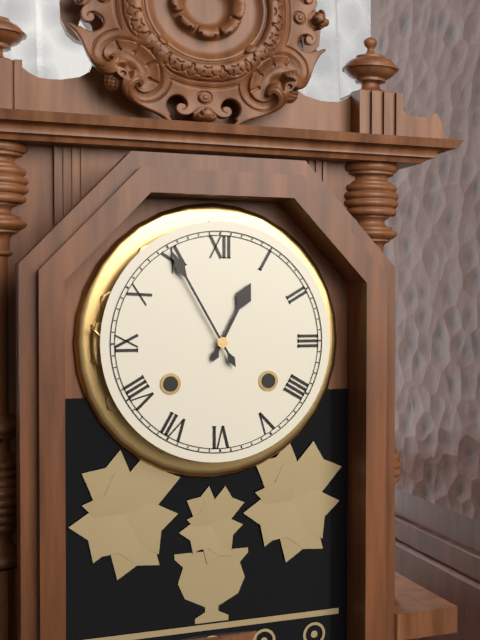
12:55
